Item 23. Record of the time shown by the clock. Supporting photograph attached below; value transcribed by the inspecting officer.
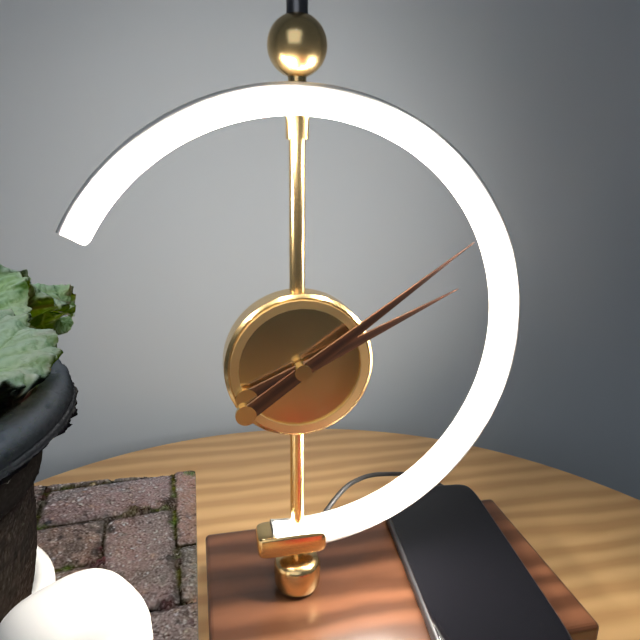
2:09
